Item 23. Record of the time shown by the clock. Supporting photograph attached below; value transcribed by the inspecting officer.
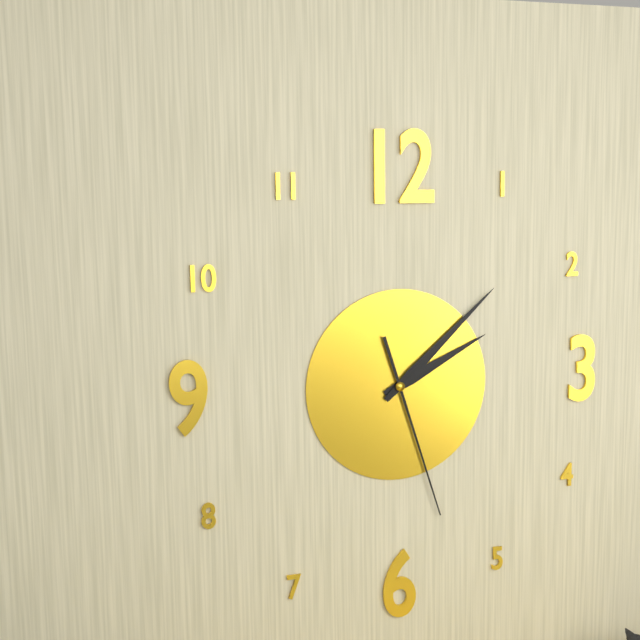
2:08:27
